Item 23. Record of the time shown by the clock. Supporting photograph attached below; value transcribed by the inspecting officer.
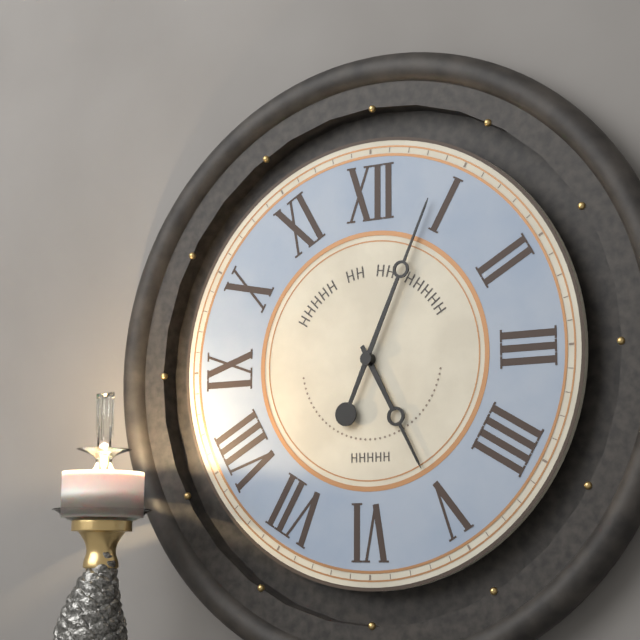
5:04
